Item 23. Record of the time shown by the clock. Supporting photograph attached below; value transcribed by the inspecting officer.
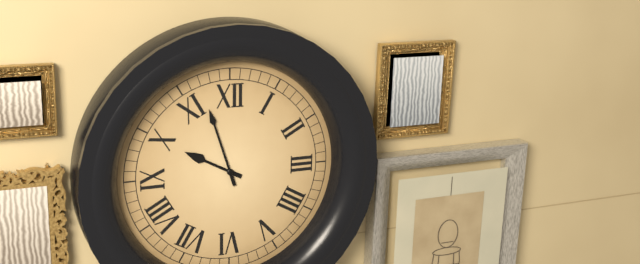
9:57
